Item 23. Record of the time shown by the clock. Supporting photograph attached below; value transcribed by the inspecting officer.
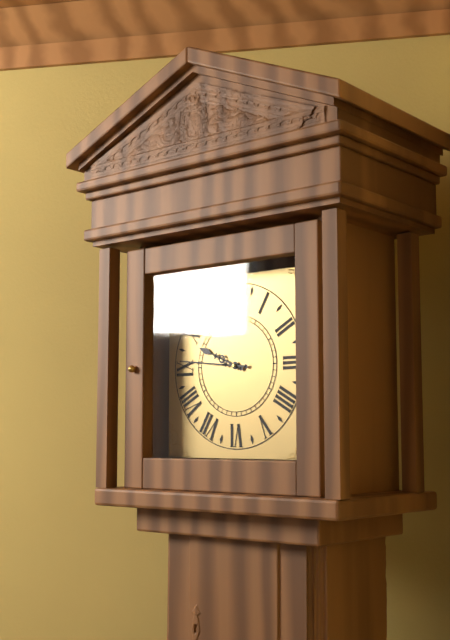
9:46
